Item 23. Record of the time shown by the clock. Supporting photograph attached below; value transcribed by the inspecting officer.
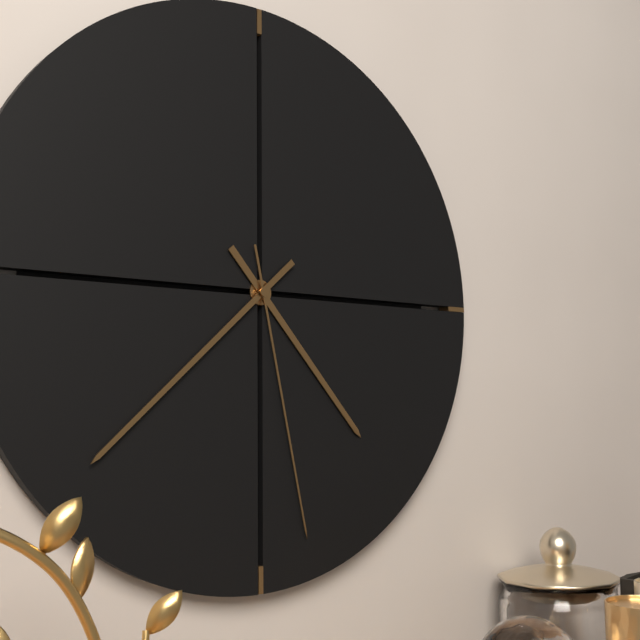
4:38:28
